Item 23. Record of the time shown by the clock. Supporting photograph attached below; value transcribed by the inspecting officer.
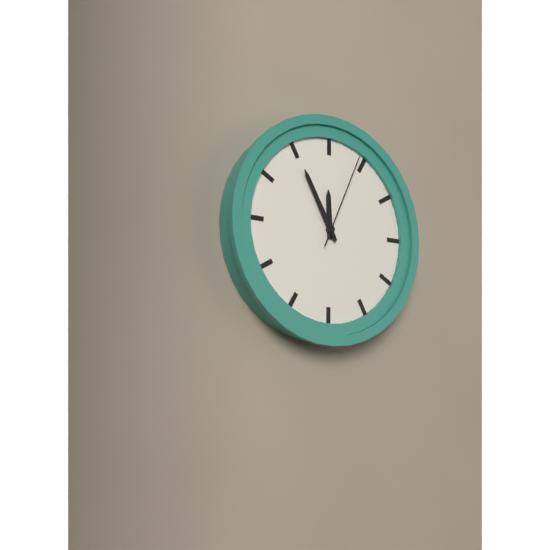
11:55:04
